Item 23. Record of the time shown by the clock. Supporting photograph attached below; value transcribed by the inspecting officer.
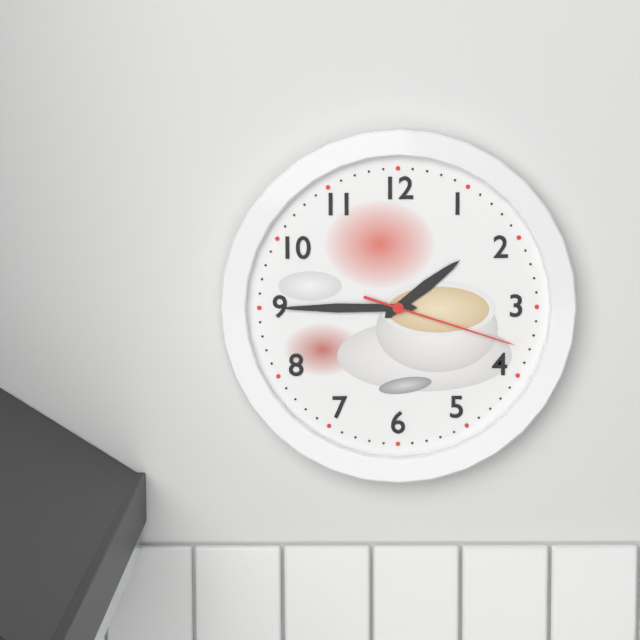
1:45:18
